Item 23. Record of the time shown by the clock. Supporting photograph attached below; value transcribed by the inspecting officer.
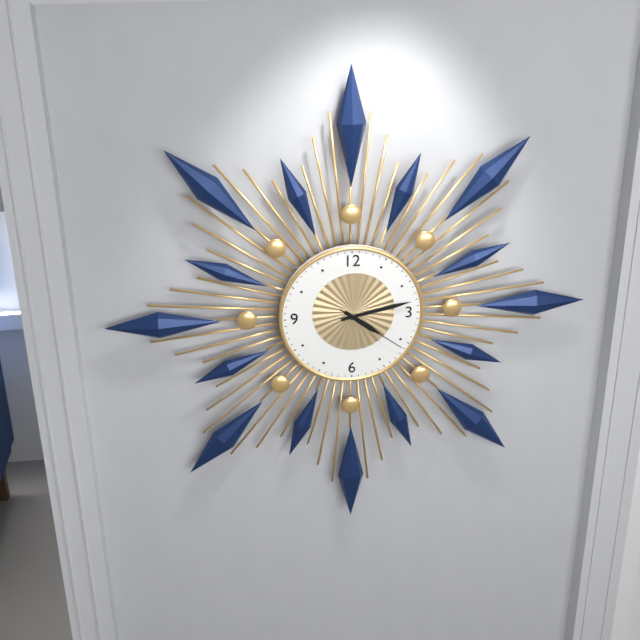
4:13:21
